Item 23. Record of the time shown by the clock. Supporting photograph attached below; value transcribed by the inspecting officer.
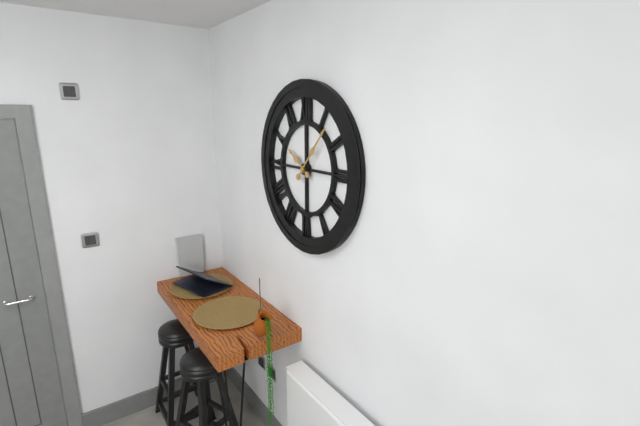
10:07
